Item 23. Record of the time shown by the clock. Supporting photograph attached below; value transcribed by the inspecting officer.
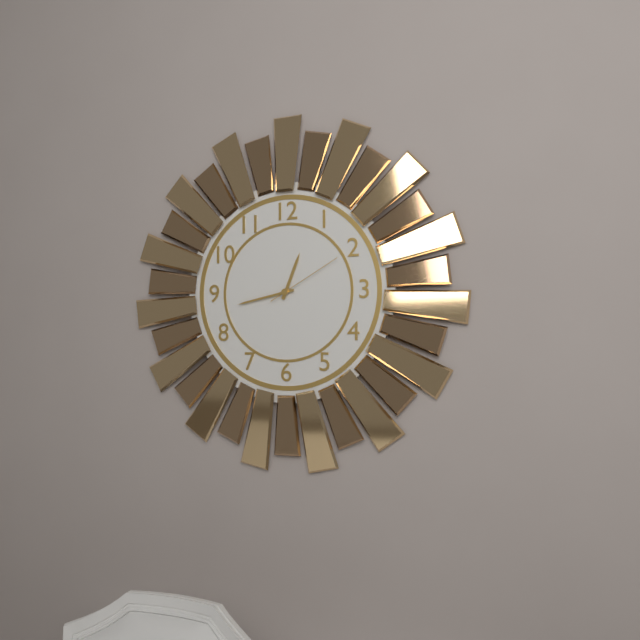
12:43:10
